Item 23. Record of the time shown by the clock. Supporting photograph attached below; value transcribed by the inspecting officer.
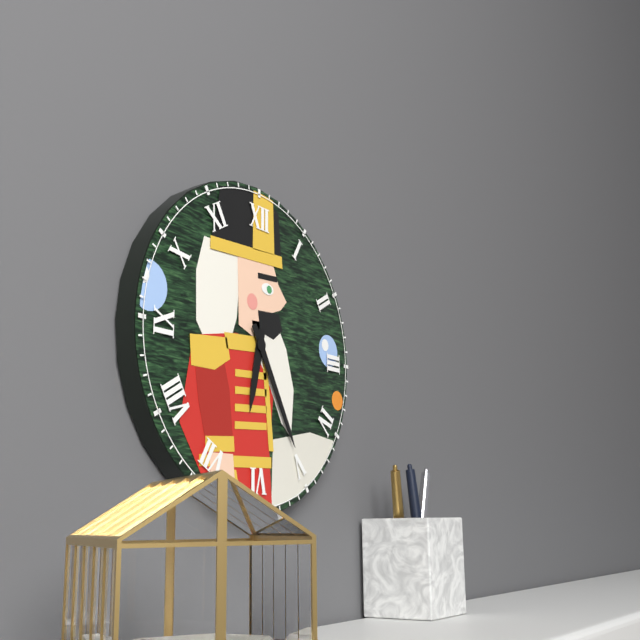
6:25
